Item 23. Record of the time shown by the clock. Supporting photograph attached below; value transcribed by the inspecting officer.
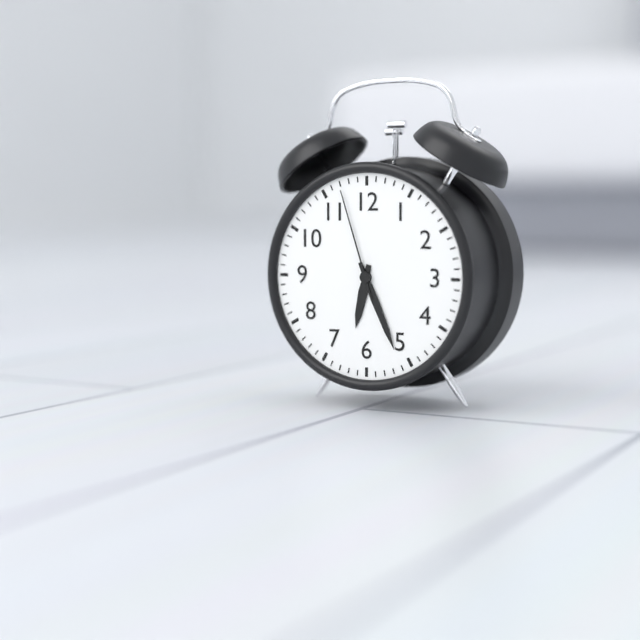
6:26:57
